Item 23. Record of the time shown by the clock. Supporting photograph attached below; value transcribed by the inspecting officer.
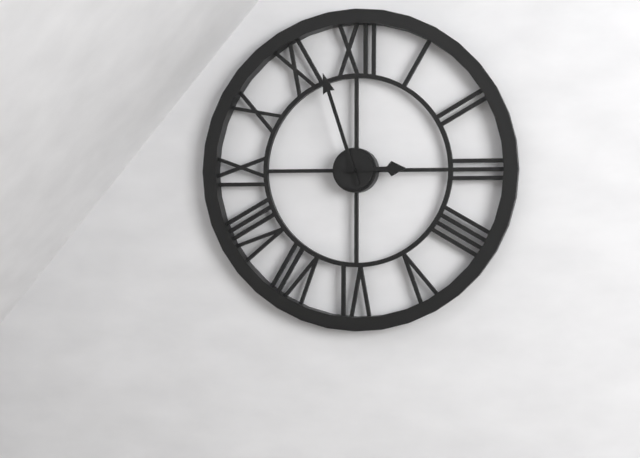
2:57
